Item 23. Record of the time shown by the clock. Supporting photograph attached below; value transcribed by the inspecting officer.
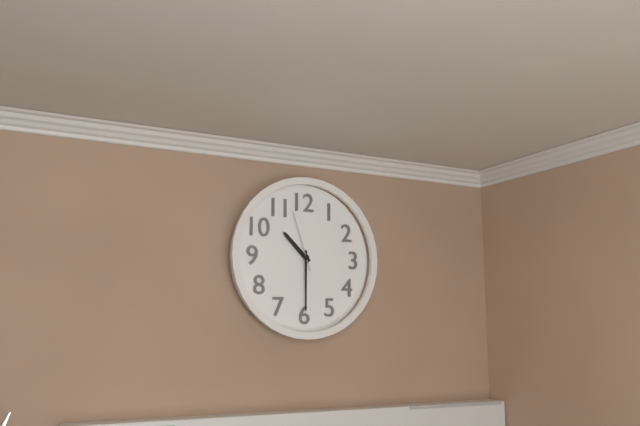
10:30:57
